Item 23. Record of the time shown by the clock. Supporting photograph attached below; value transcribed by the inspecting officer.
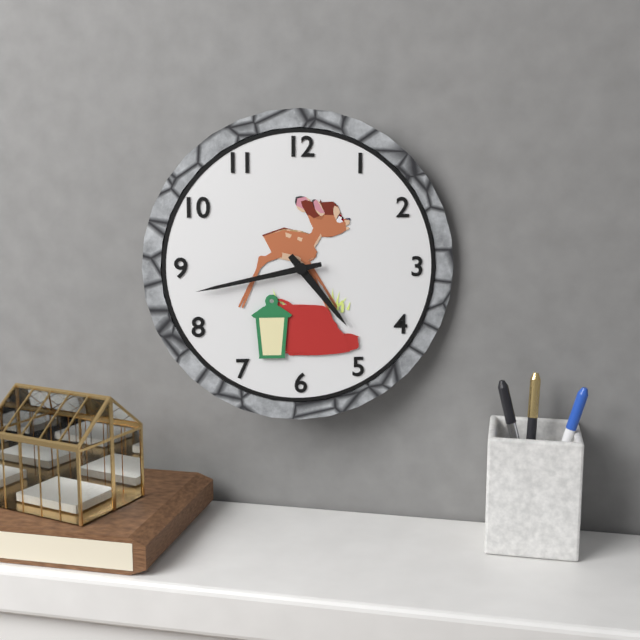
4:43
